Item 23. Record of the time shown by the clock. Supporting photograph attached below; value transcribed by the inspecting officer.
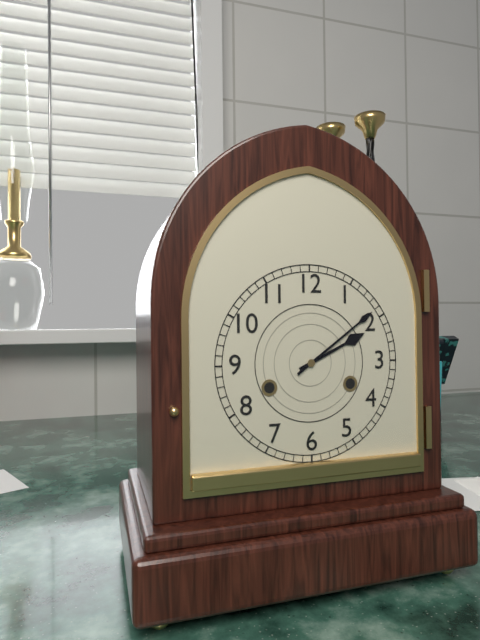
2:09
